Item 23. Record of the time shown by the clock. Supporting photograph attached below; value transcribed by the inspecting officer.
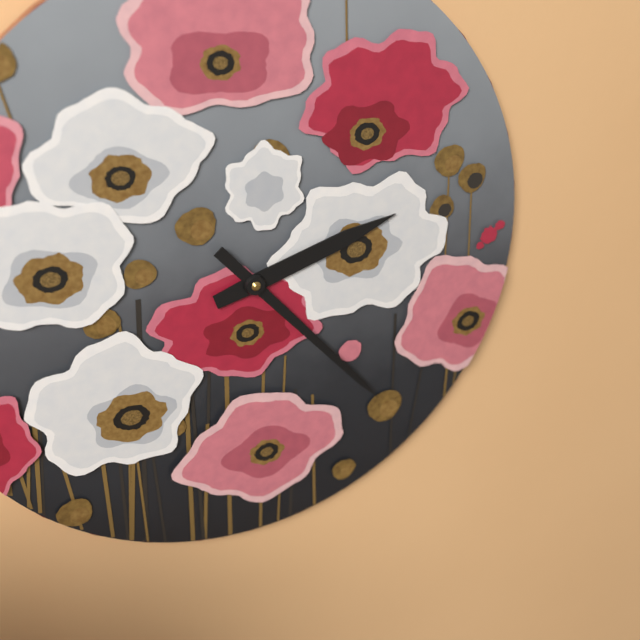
2:23
